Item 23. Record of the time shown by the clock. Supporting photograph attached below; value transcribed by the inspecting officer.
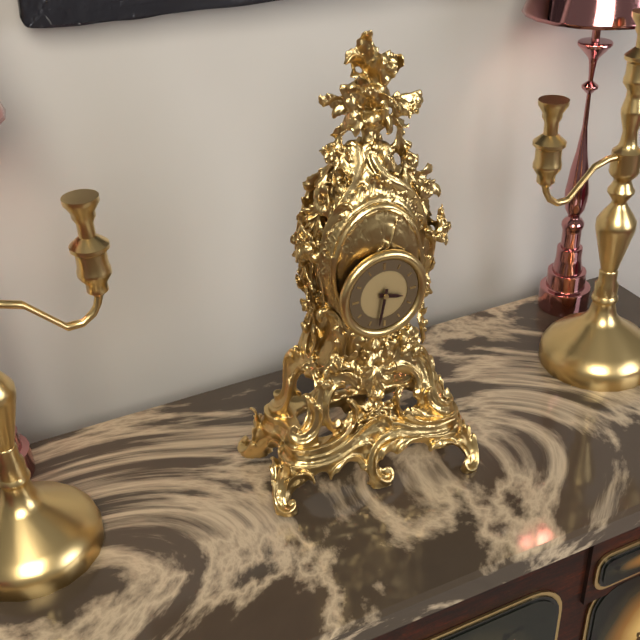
3:32
